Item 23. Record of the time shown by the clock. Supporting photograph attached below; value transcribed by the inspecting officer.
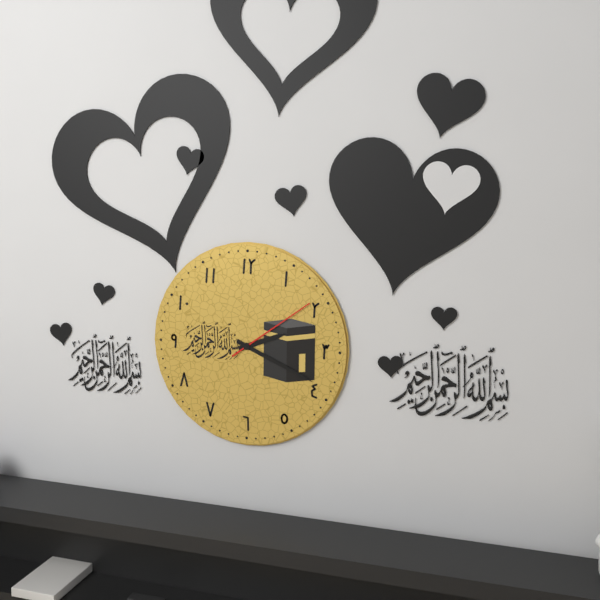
2:19:09
